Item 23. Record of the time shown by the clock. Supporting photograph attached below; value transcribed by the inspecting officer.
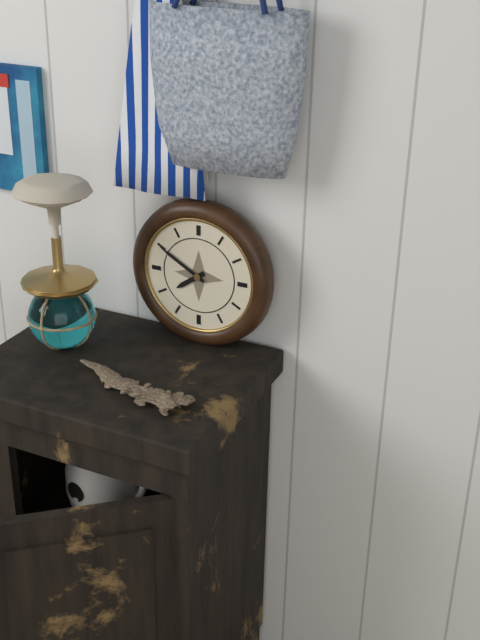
7:50
